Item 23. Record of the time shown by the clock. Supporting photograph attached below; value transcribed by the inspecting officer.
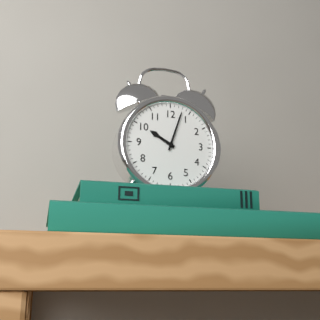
10:03
